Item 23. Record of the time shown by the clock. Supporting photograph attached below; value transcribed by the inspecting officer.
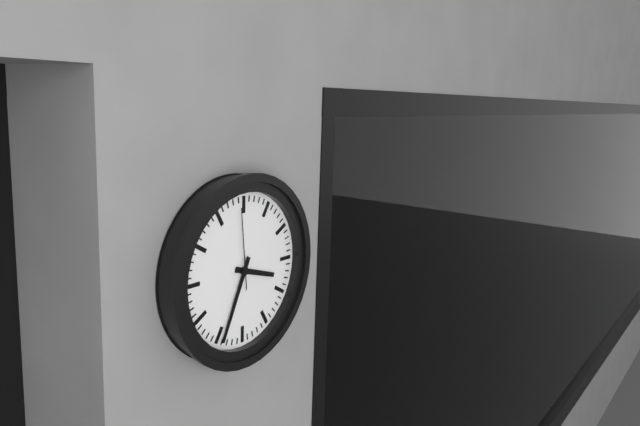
3:34:59
